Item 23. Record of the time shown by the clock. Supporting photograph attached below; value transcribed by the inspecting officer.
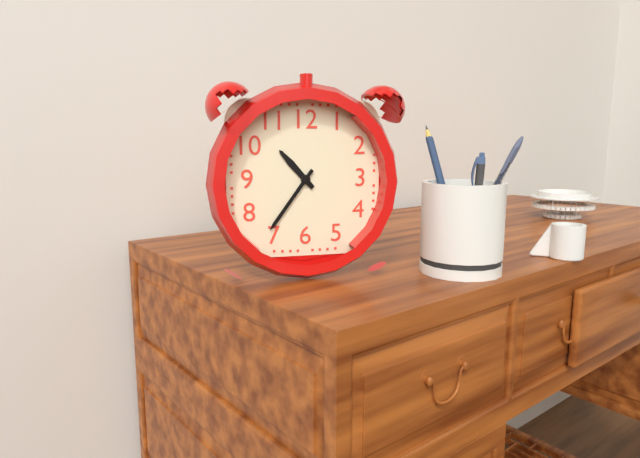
10:36
